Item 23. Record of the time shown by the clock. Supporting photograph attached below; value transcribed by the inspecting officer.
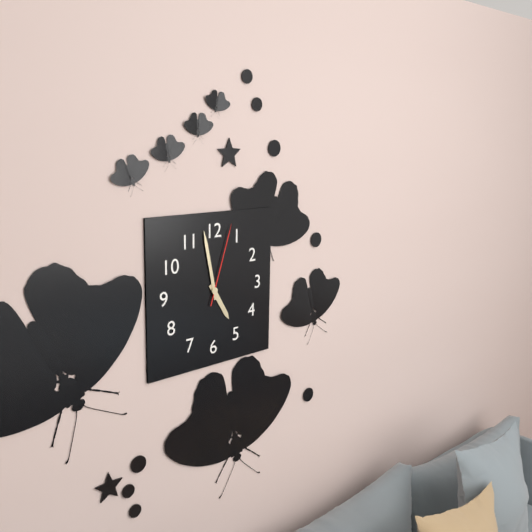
4:58:03
